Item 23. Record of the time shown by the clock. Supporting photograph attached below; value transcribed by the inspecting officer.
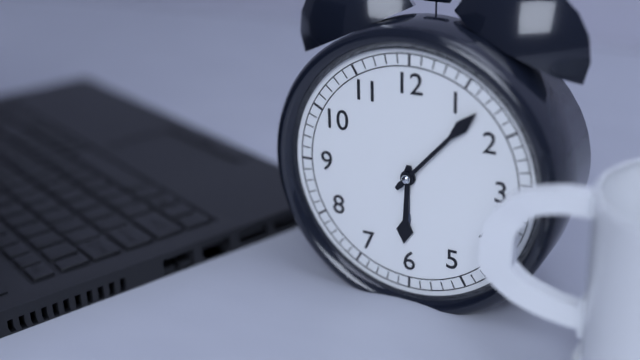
6:07
